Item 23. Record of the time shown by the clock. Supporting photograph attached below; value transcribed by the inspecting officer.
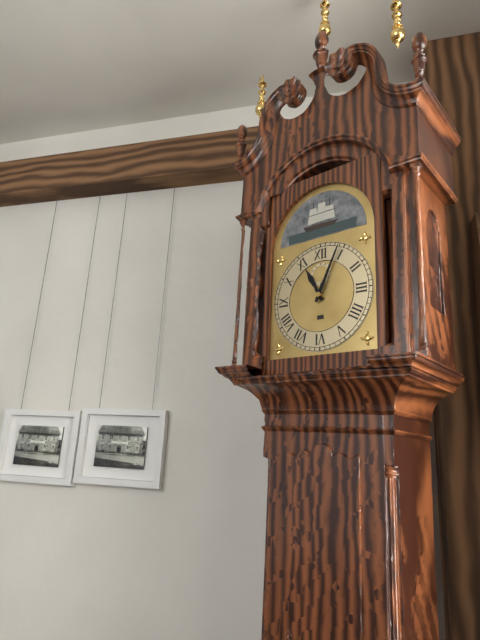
11:04
